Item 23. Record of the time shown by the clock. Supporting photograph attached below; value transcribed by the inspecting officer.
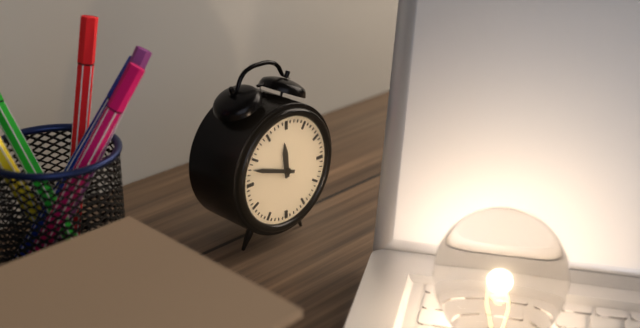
11:48
